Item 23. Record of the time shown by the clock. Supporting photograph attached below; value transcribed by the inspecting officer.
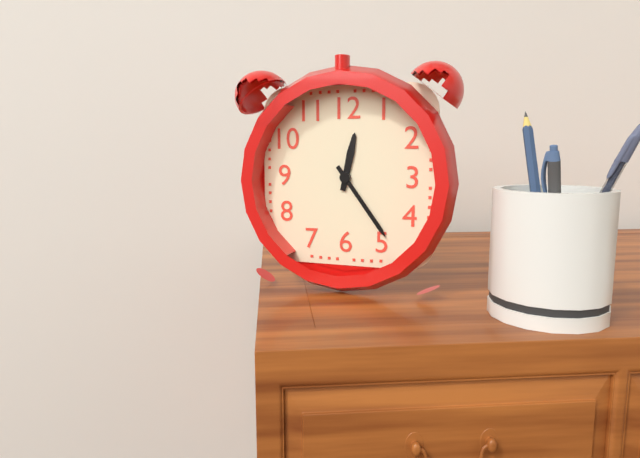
12:24
